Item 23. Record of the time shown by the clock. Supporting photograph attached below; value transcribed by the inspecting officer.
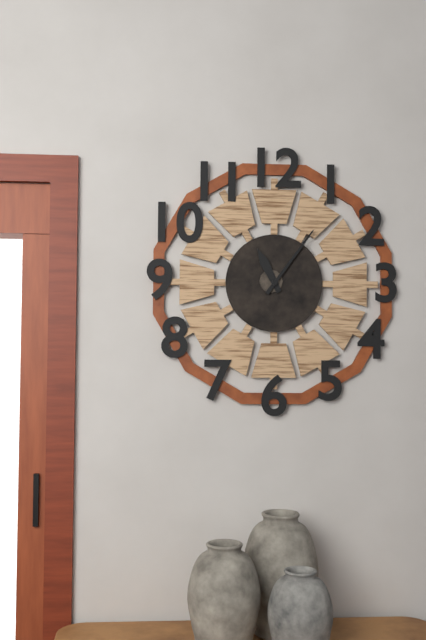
11:06
